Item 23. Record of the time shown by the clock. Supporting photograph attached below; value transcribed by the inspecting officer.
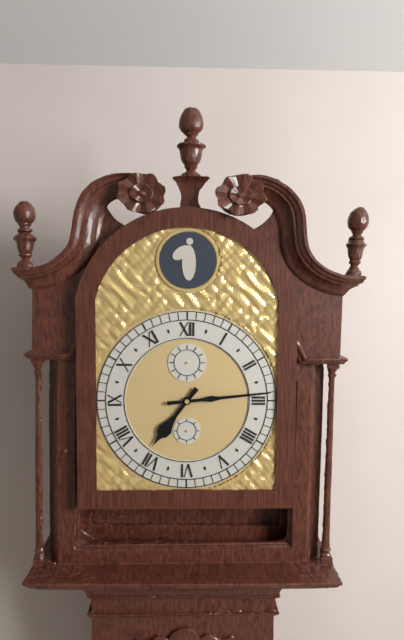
7:14
